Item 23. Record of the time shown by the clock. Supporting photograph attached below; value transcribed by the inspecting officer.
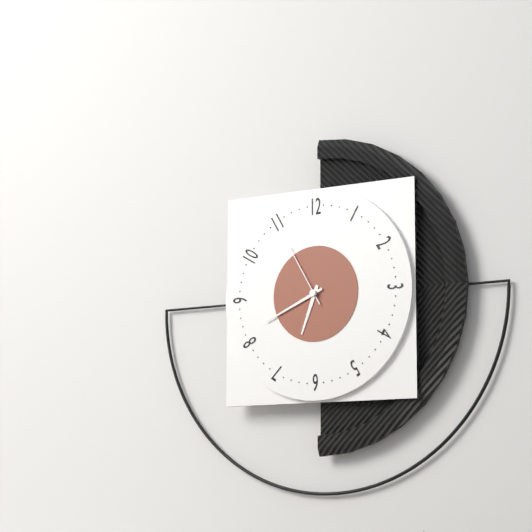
6:41:55
